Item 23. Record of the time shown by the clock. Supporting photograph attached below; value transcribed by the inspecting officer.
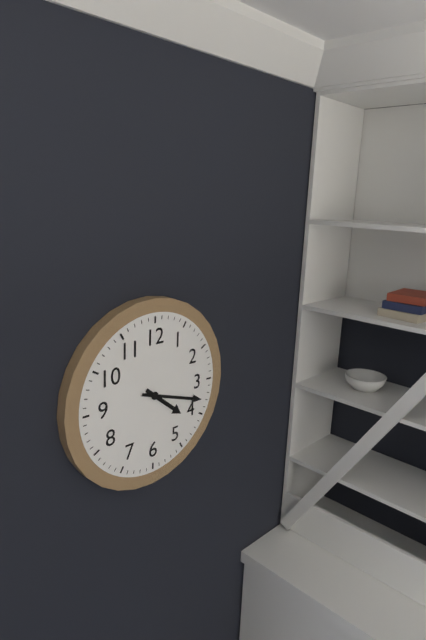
4:18
